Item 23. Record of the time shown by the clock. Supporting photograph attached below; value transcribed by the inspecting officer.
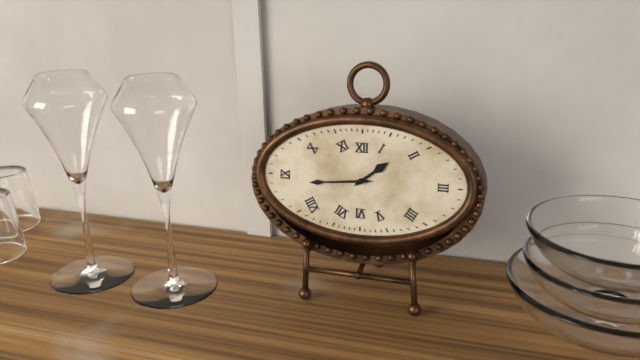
1:44
